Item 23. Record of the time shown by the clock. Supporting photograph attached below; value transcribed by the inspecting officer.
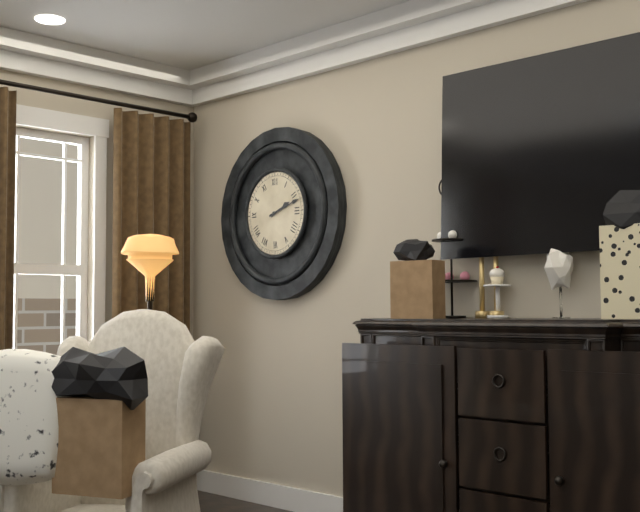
2:12
